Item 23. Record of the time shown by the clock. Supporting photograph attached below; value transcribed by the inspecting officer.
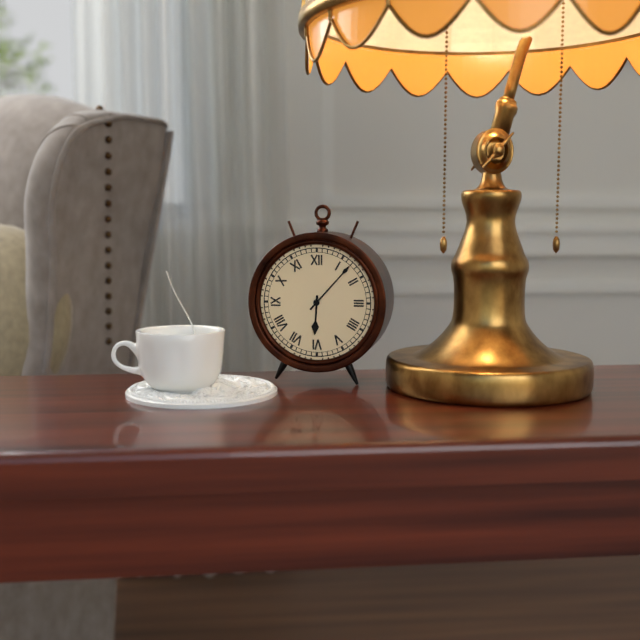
6:07
